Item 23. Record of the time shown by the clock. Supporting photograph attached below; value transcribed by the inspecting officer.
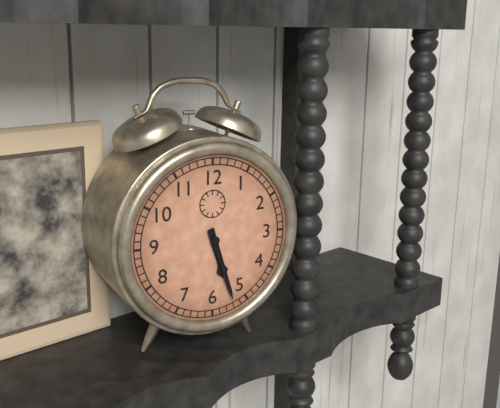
5:27
